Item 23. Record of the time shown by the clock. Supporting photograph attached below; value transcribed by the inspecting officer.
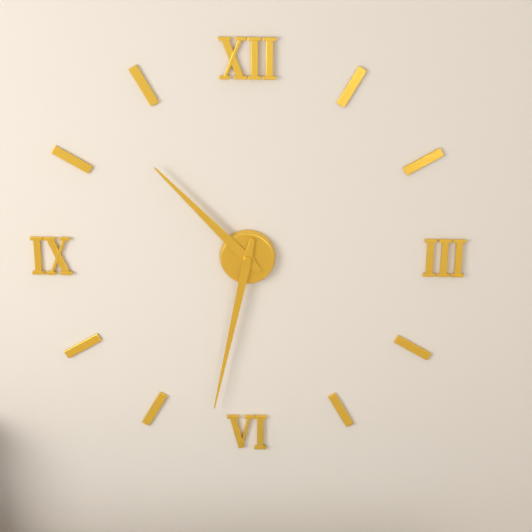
10:32
